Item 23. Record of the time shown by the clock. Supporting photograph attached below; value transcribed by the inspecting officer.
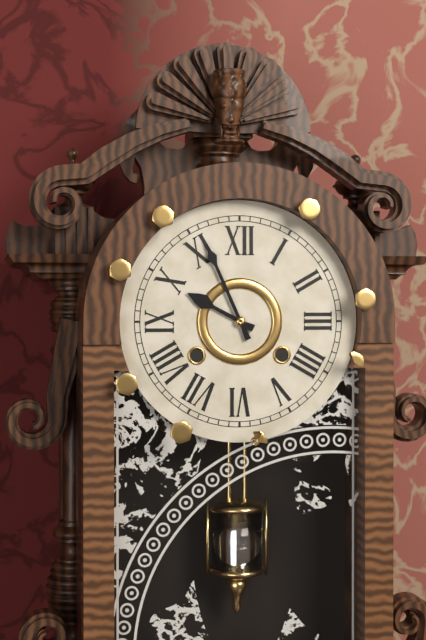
9:56
